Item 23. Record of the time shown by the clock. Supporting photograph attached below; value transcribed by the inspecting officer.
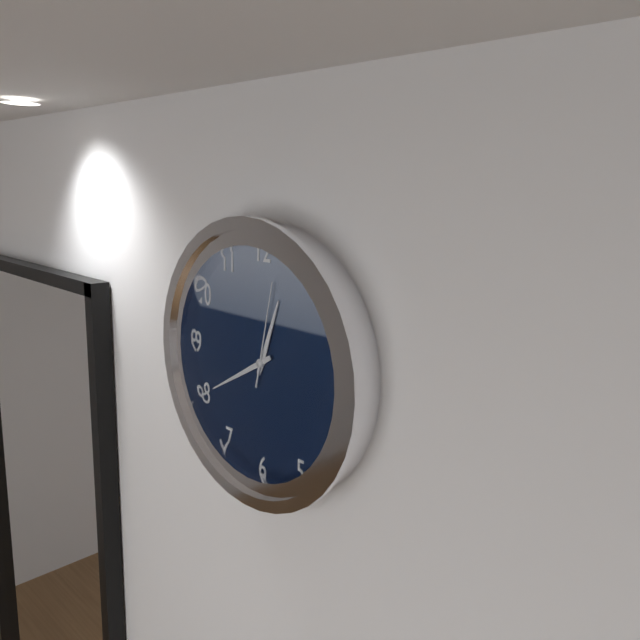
12:40:02
